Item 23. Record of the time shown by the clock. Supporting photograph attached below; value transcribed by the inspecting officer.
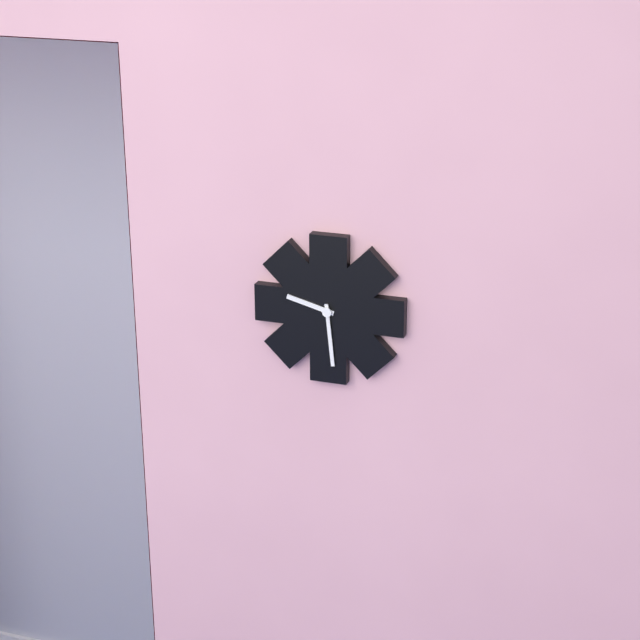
9:29
